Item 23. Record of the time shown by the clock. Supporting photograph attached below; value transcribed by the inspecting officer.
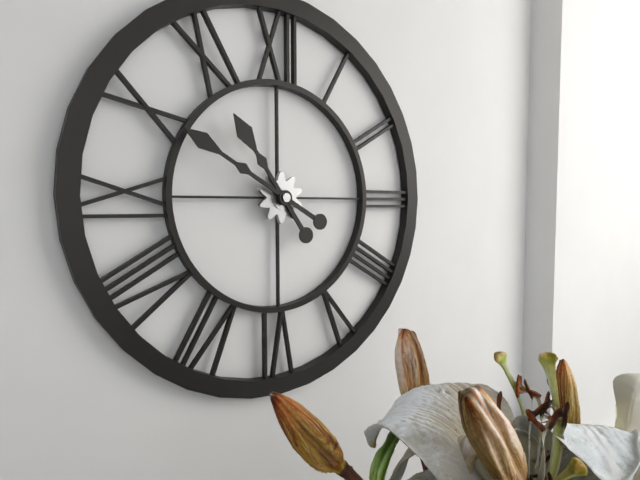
10:50
